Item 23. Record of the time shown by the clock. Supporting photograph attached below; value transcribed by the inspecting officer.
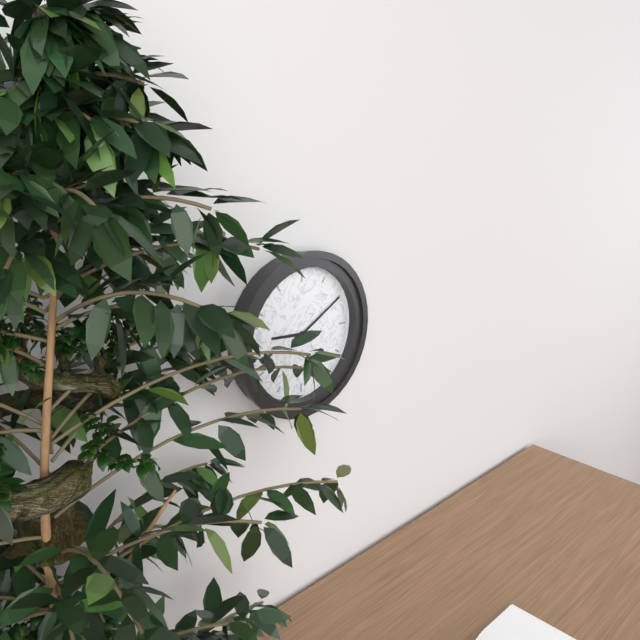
9:10
